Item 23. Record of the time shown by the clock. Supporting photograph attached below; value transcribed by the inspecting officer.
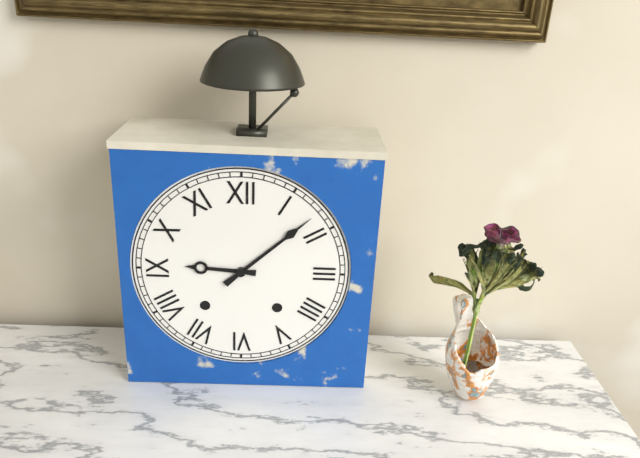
9:08
